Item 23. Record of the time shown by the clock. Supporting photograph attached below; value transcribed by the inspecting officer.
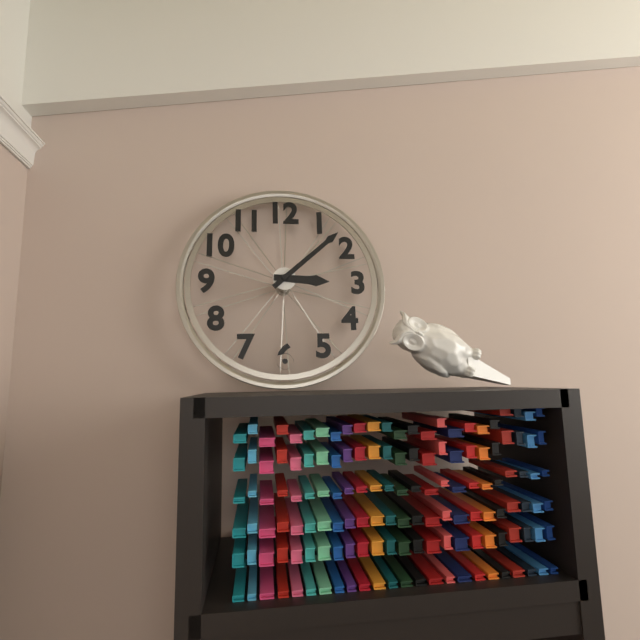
3:08
